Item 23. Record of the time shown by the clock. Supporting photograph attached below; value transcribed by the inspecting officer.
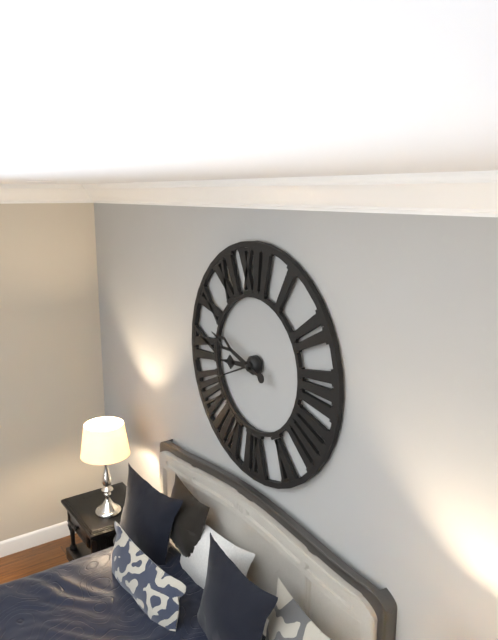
8:48
